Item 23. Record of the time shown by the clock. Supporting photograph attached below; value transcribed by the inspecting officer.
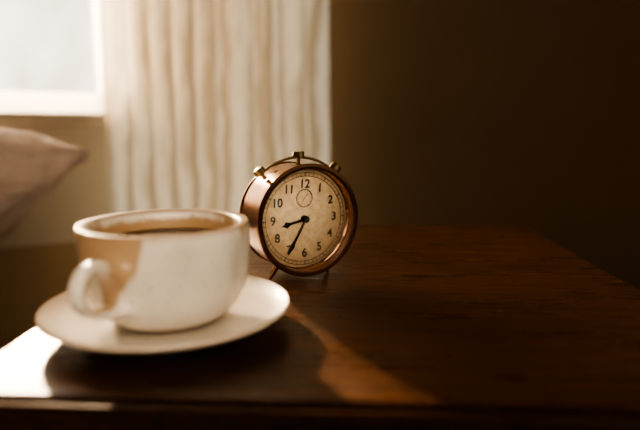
8:35:36
